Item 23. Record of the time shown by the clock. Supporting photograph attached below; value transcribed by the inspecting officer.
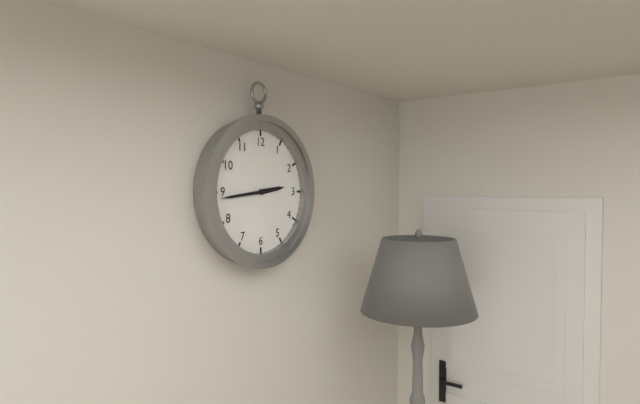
2:44
